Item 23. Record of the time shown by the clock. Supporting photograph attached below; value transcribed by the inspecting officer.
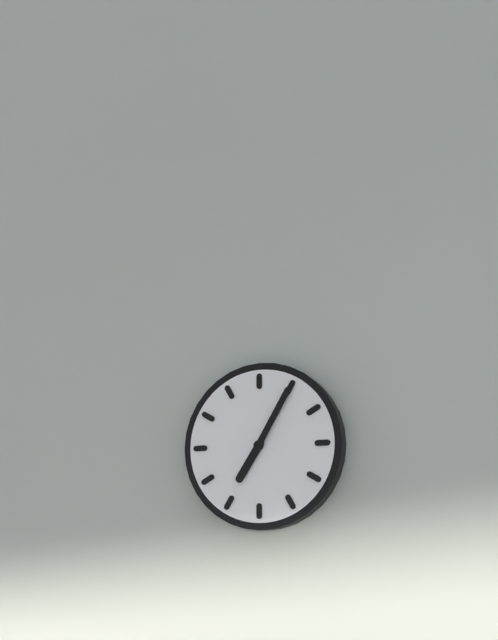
7:05
